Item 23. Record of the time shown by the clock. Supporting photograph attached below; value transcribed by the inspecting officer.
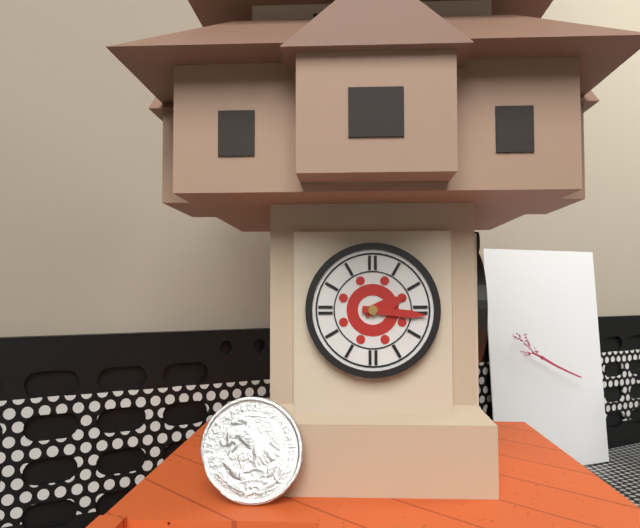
2:16
